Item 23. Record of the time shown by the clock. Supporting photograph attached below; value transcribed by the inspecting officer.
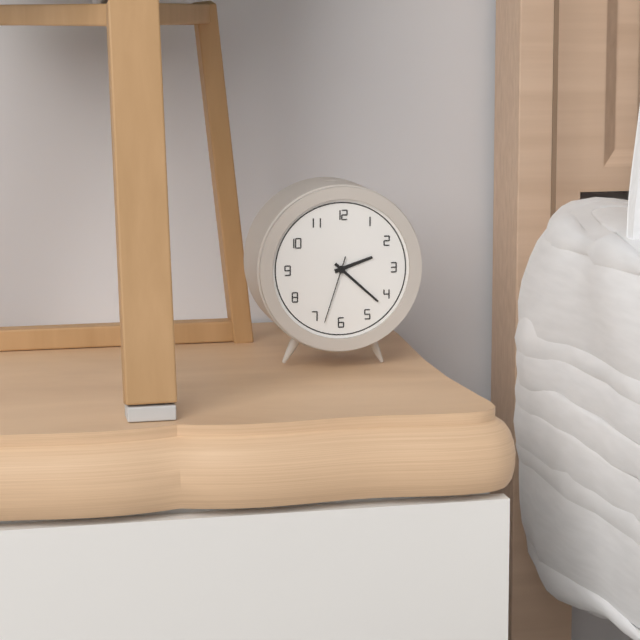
2:22:33
